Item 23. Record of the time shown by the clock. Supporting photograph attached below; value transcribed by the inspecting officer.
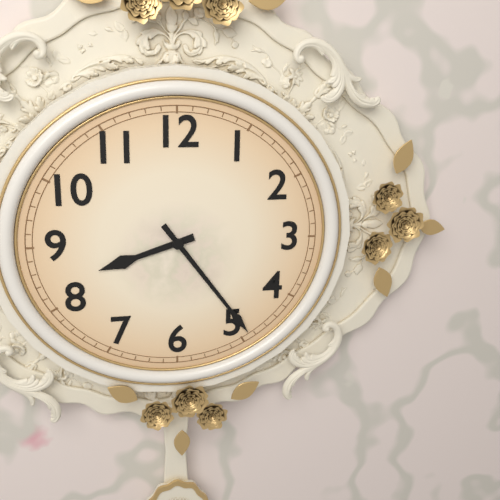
8:24
